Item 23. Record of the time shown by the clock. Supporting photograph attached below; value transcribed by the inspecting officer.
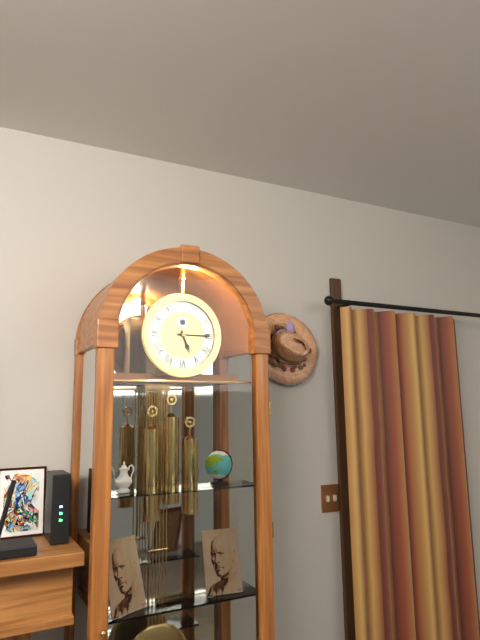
5:15
